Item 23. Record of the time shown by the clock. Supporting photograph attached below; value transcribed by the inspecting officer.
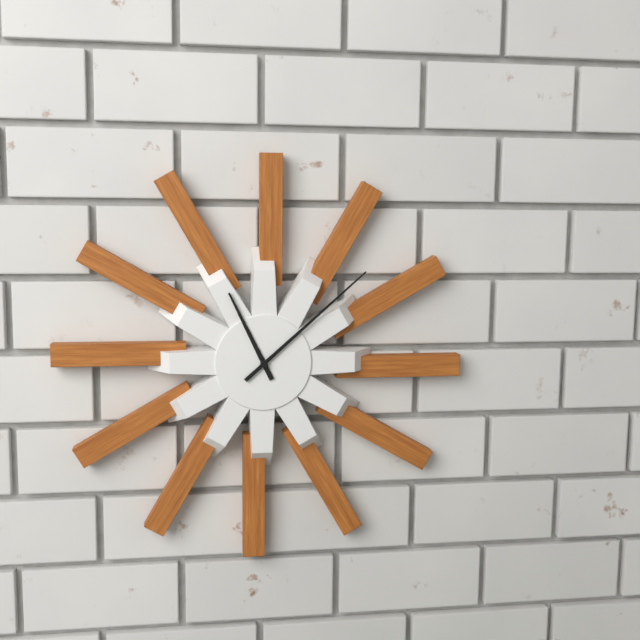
11:08
